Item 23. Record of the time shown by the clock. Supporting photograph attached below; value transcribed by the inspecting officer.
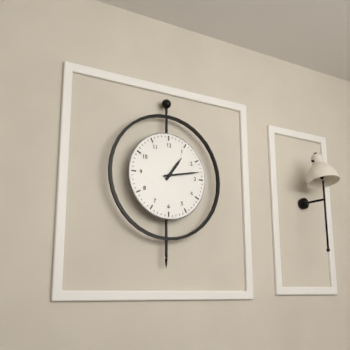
1:13
